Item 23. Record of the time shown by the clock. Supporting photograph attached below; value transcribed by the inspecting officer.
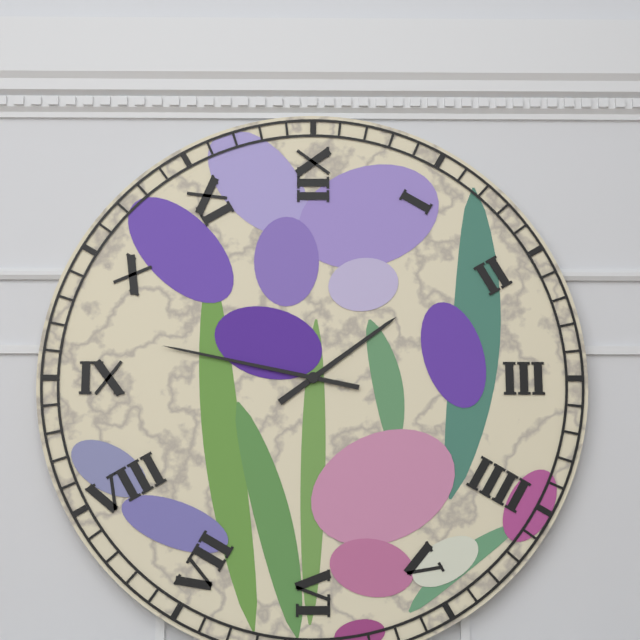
1:47
